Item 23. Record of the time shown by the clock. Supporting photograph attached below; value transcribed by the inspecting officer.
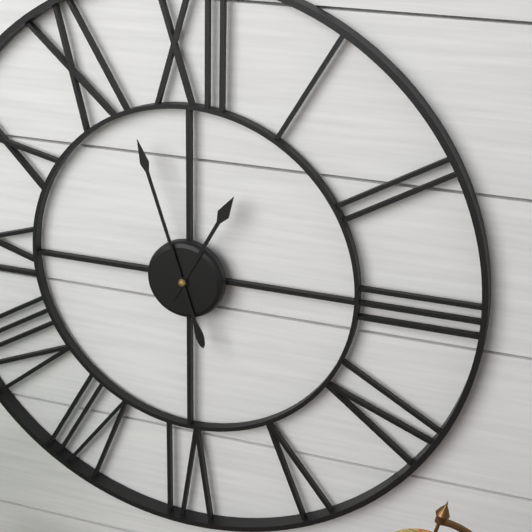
12:57
